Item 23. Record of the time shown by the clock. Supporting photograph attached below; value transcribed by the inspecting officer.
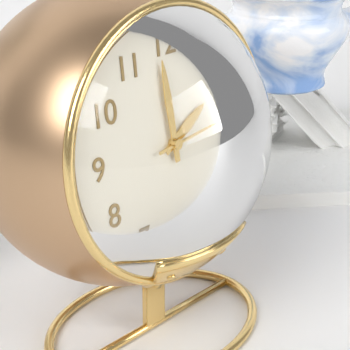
1:59:14
